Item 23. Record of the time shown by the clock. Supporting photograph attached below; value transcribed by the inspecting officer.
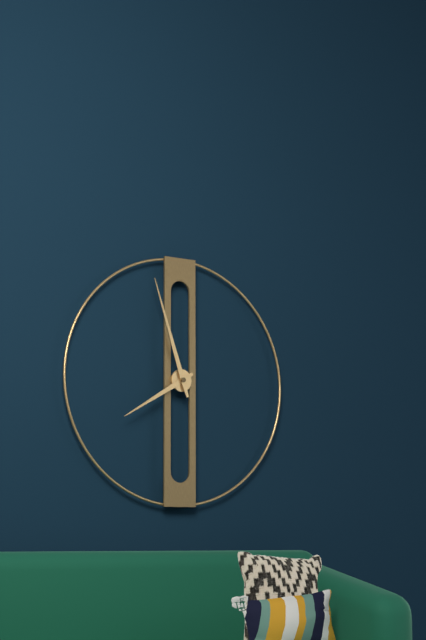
7:57
